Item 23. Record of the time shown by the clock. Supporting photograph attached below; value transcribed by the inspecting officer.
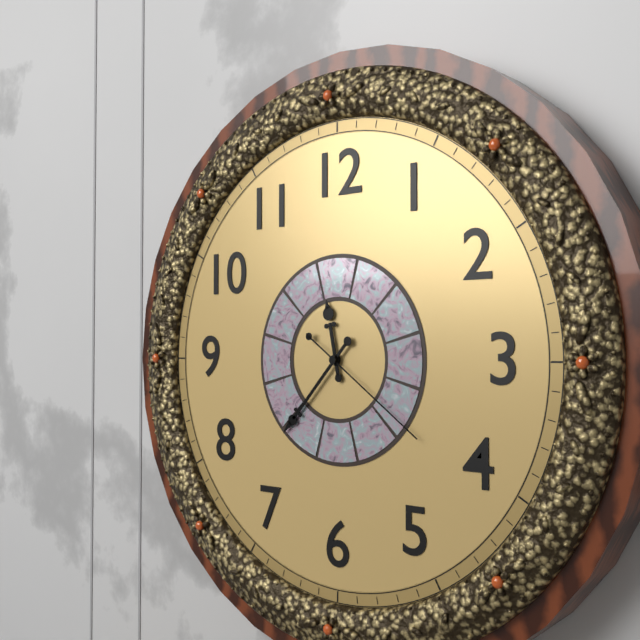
11:37:21
